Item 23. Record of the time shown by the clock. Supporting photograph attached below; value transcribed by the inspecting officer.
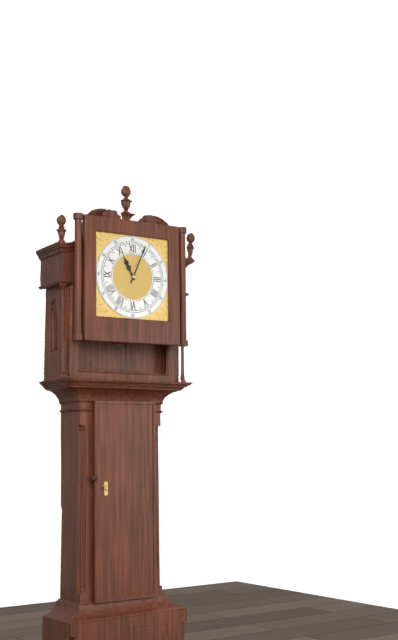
11:04
